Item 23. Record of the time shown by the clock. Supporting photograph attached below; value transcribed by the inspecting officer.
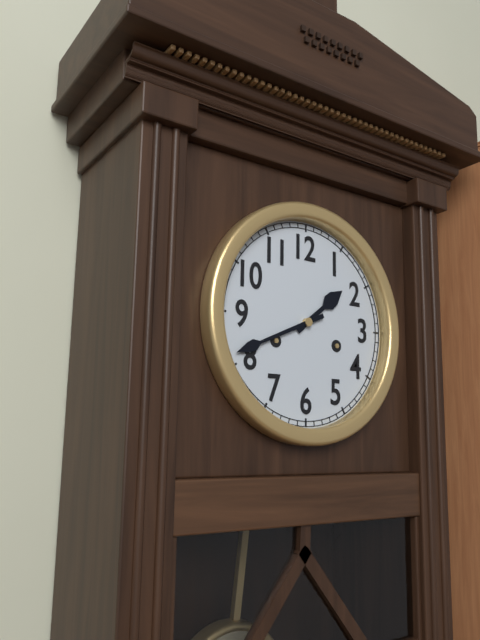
1:41
